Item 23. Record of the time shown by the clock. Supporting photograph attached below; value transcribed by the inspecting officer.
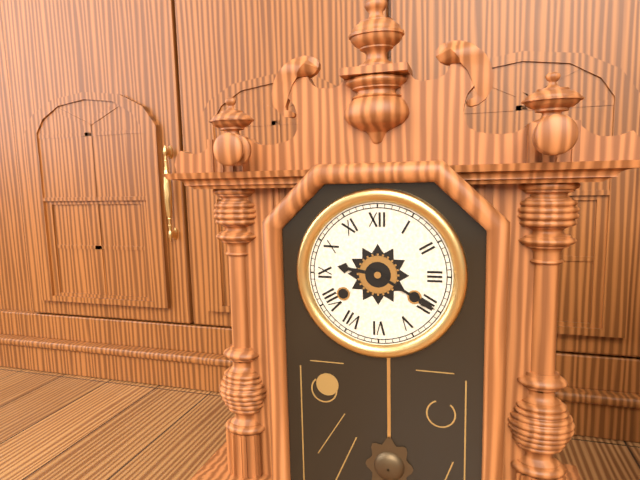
9:20
